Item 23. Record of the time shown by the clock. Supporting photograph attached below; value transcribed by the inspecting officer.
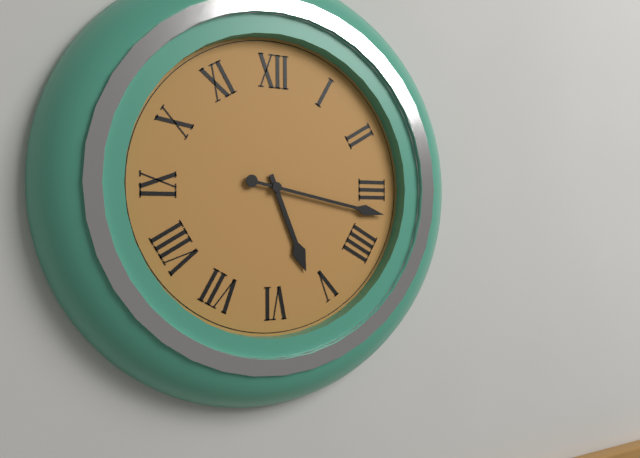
5:17
